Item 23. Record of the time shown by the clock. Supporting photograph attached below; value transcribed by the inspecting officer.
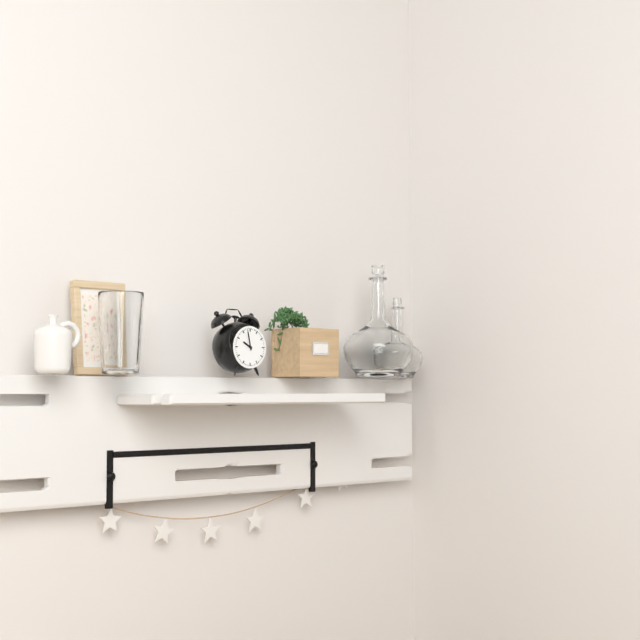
9:58
